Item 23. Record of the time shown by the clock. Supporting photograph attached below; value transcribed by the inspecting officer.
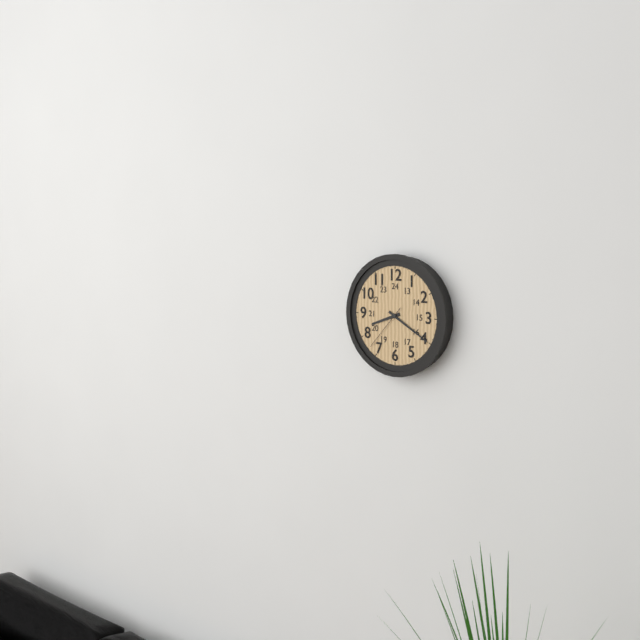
8:20
